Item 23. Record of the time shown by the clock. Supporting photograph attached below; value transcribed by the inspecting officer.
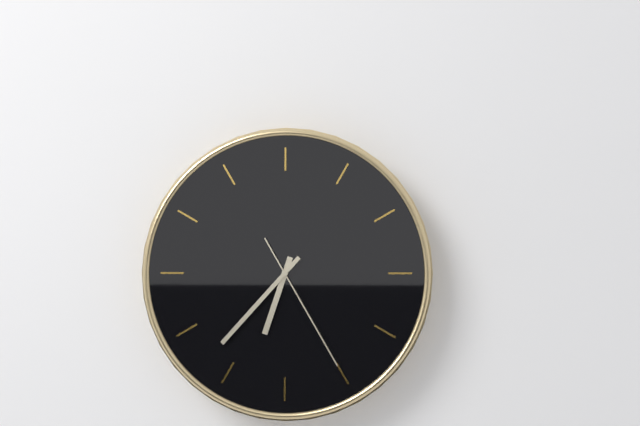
6:37:25
